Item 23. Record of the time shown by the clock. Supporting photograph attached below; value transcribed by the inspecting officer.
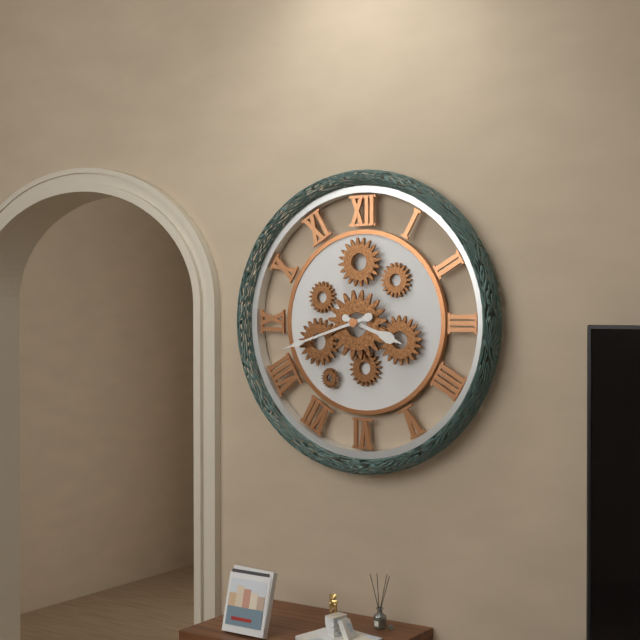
3:42
